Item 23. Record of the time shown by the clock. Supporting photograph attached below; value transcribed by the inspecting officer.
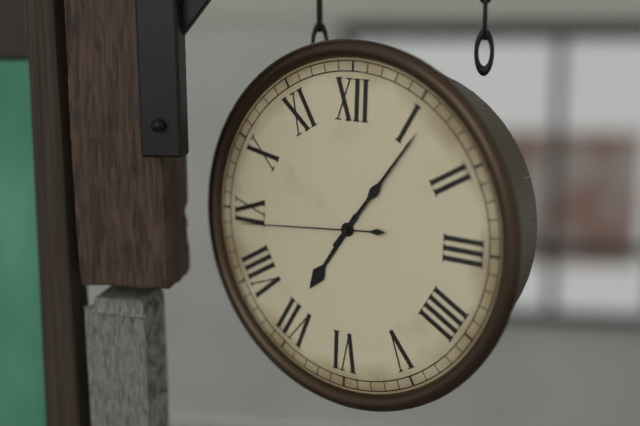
7:06:44
